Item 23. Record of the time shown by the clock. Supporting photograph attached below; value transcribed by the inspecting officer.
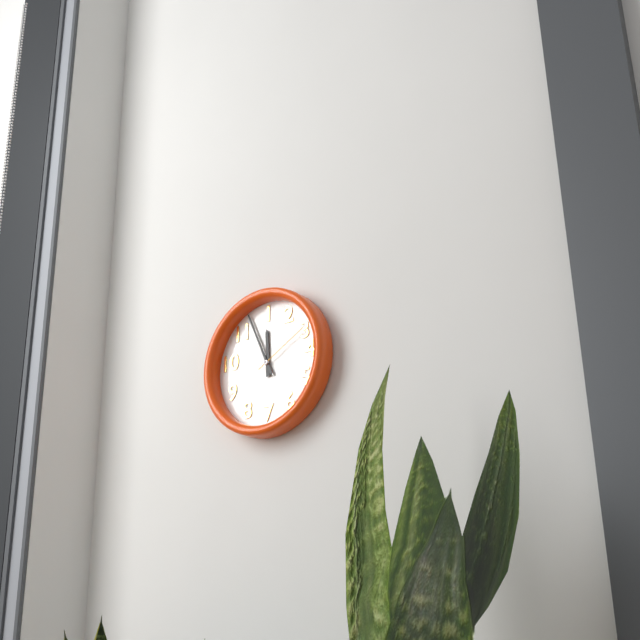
11:56:10
